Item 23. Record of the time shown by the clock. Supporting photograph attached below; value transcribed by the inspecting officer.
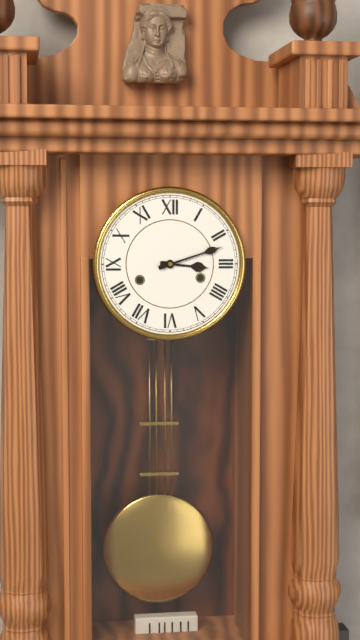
3:12
